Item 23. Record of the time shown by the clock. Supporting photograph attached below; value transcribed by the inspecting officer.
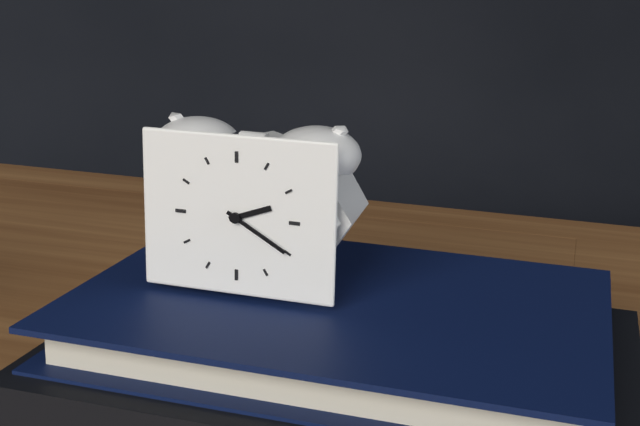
2:20
